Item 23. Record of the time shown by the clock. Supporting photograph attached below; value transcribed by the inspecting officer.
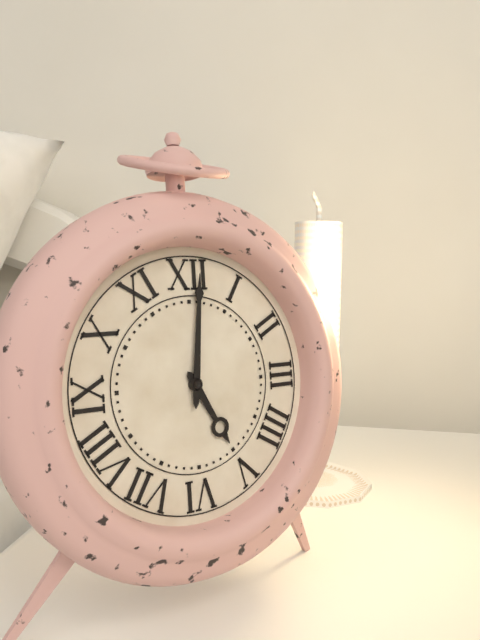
5:01
